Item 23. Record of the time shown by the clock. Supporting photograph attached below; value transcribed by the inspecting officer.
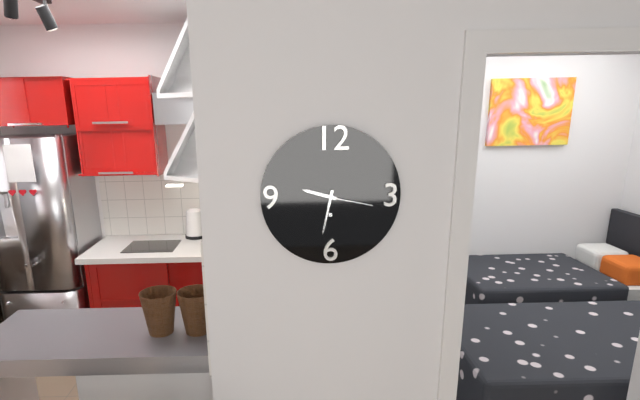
9:32:17
